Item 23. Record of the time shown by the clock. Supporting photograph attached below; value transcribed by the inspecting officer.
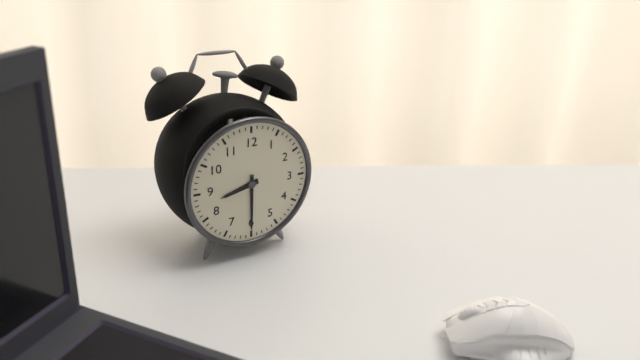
8:30
